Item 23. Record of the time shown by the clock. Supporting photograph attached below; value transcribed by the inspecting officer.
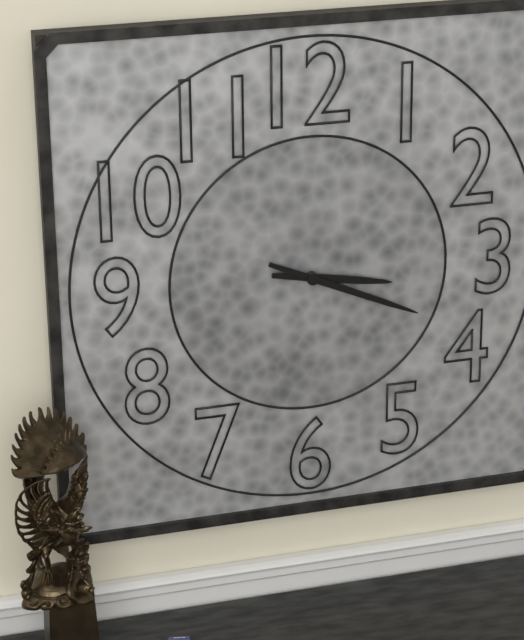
3:19
